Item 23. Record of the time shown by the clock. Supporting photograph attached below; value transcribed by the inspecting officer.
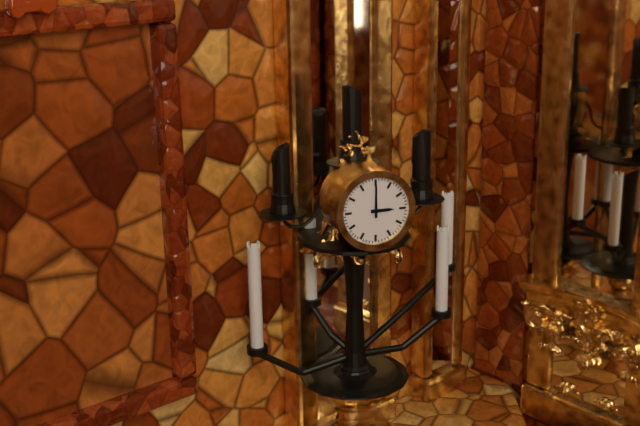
3:00
